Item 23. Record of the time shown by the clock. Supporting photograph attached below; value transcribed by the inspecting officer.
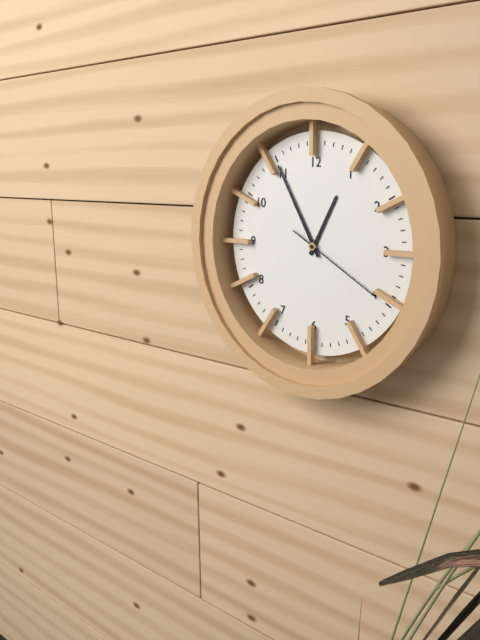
12:55:20
